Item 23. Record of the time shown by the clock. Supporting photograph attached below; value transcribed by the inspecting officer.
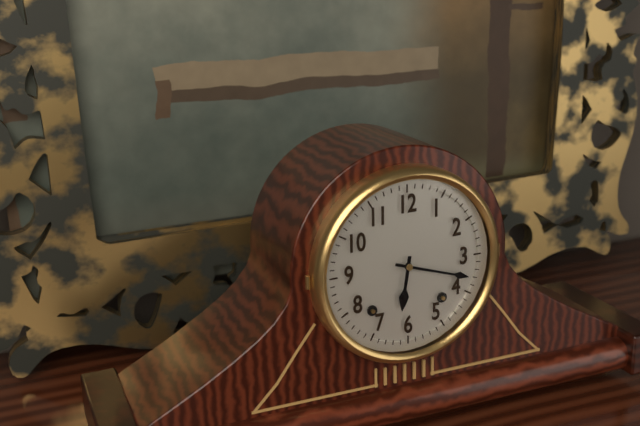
6:18
